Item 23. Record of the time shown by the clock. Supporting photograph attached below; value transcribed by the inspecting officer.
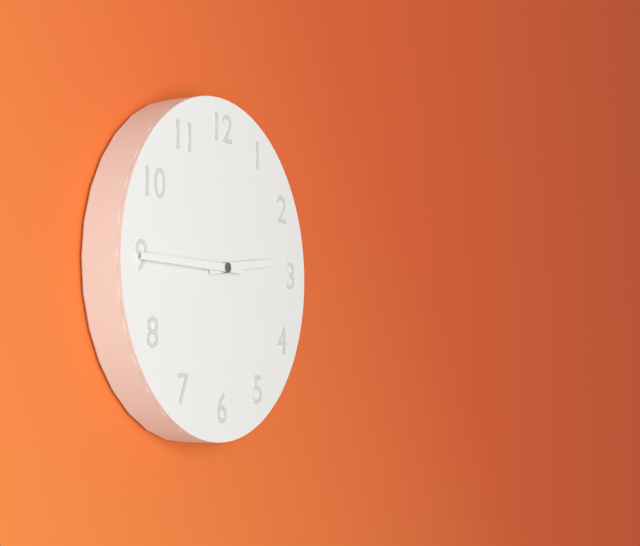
2:45
